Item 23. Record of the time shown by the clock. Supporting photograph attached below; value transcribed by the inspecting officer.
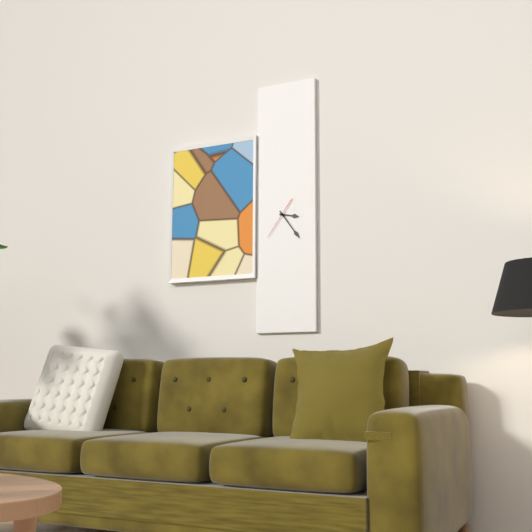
3:24
